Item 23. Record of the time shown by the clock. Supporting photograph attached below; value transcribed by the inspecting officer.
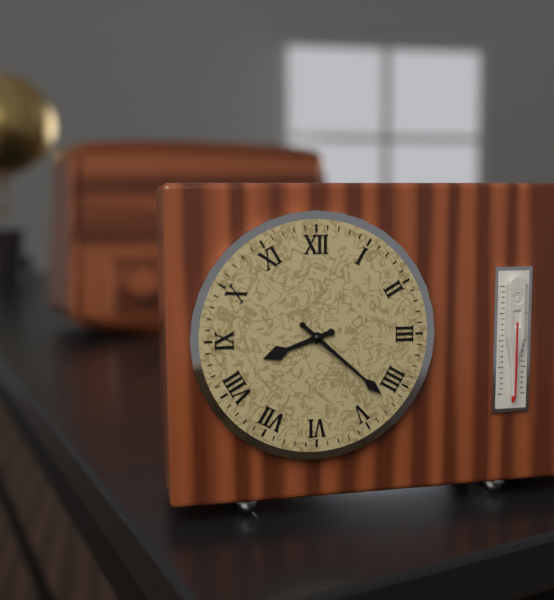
8:22
